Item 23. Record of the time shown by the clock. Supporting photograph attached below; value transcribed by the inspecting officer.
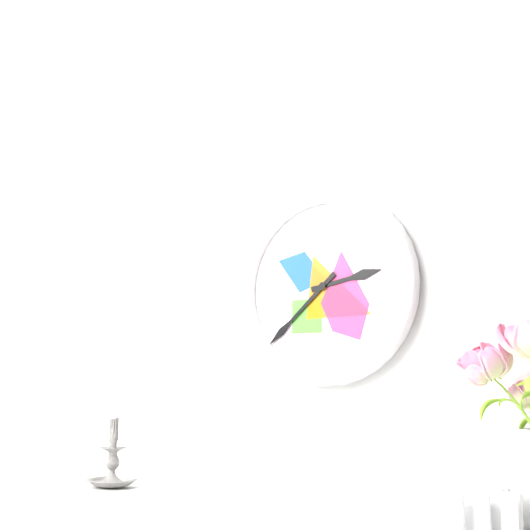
2:38
